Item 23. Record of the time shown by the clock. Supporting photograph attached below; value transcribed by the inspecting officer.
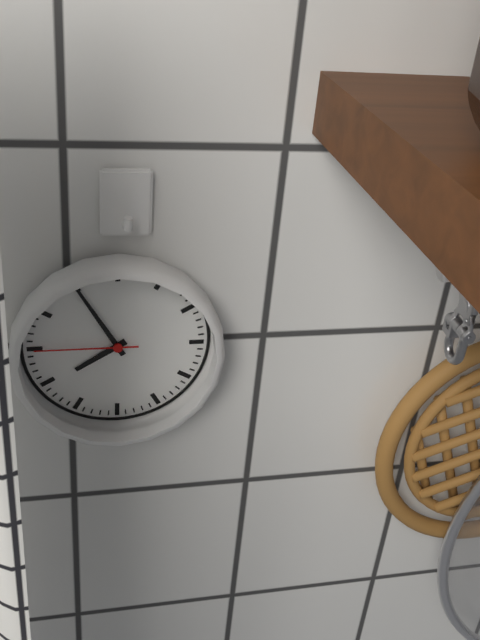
7:55:45
